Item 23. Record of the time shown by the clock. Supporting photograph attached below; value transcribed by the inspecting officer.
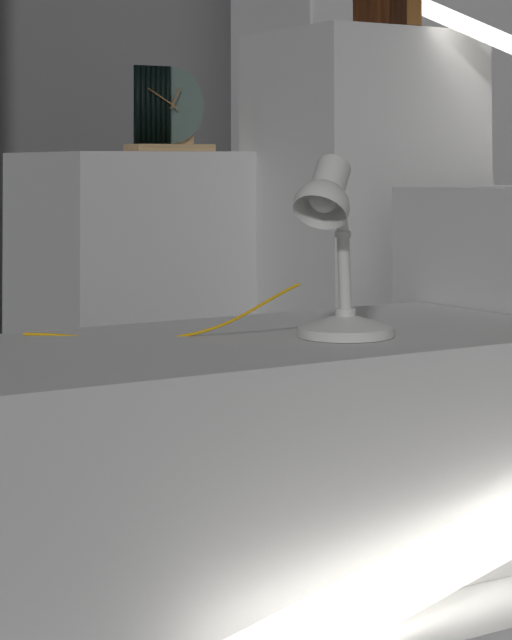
12:50
